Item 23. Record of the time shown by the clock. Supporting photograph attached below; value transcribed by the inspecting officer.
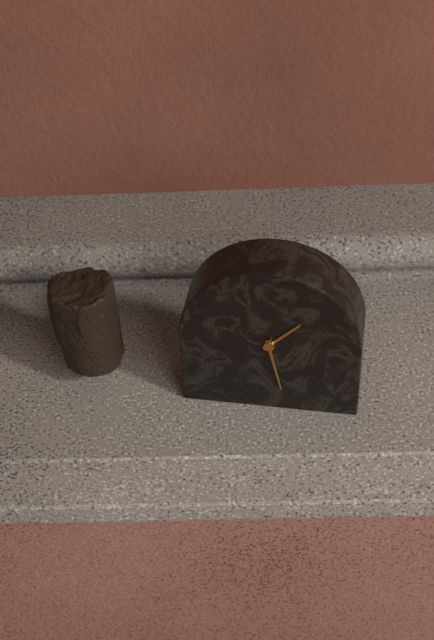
1:28
